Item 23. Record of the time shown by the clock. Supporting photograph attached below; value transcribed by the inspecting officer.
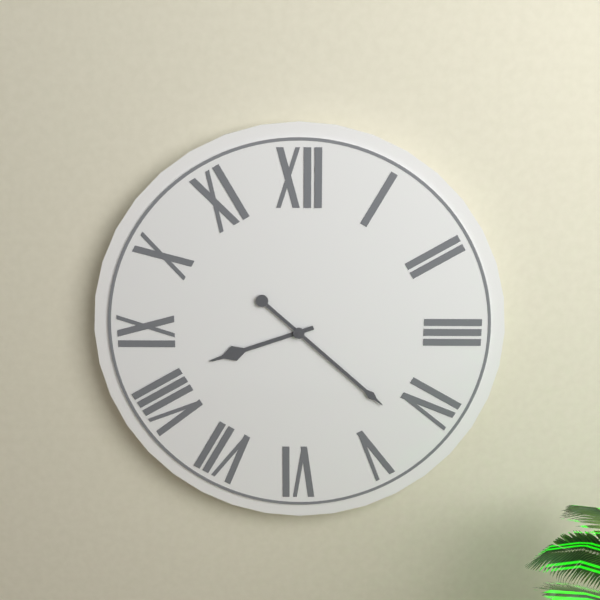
8:22
